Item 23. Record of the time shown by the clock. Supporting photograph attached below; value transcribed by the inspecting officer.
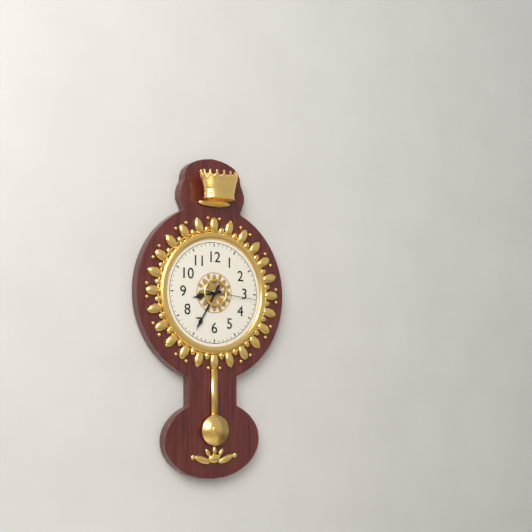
8:35
